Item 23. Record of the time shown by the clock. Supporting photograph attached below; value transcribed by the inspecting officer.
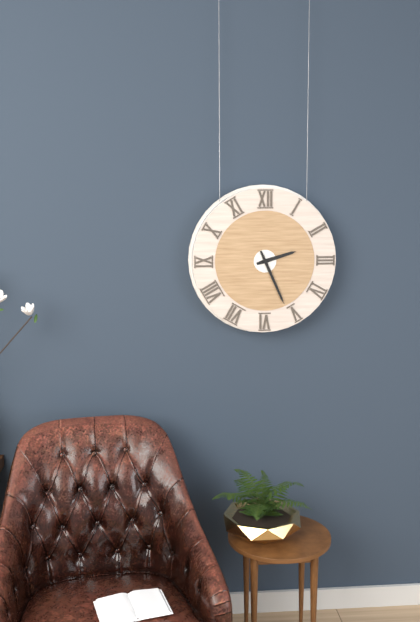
2:26
